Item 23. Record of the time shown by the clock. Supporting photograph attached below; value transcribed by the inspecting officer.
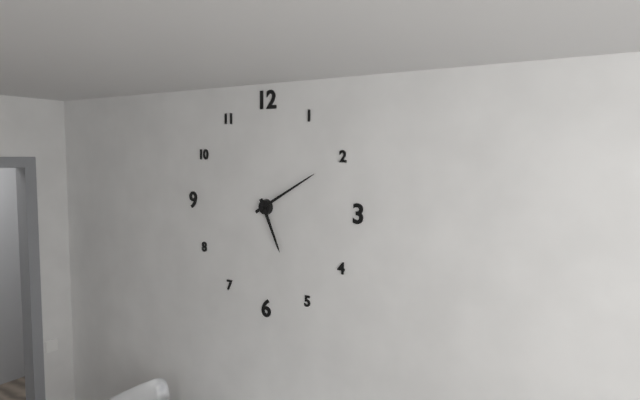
5:10
